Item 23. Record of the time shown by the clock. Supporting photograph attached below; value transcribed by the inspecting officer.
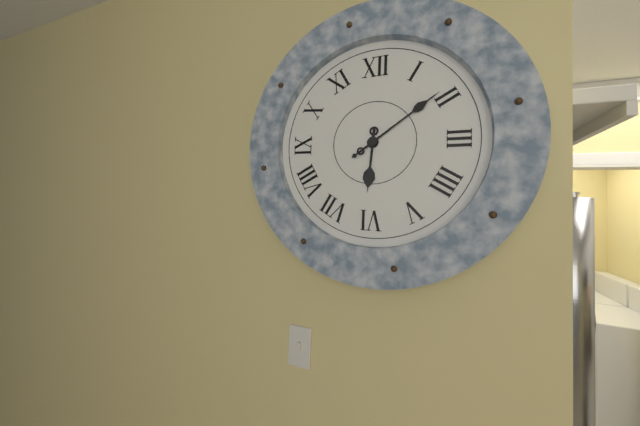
6:09
